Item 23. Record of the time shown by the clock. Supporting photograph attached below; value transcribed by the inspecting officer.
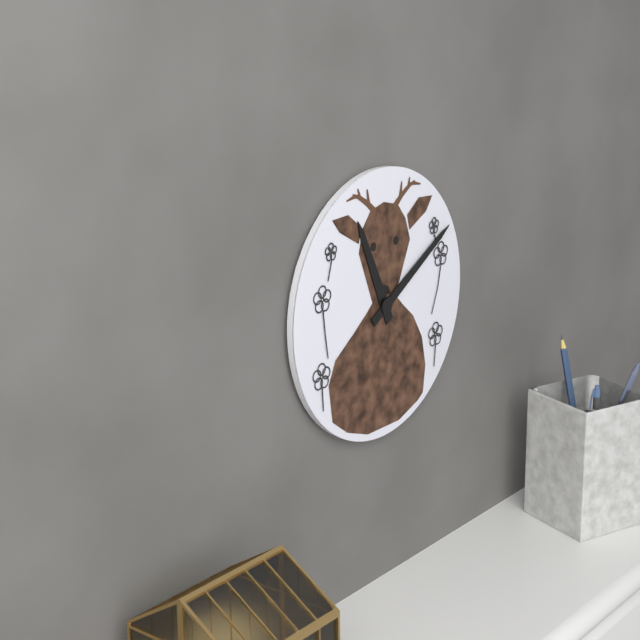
11:10
